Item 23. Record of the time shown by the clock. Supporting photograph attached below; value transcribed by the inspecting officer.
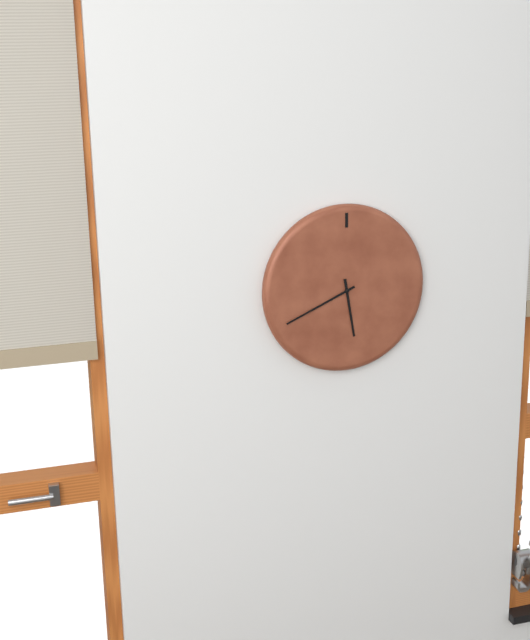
5:41
